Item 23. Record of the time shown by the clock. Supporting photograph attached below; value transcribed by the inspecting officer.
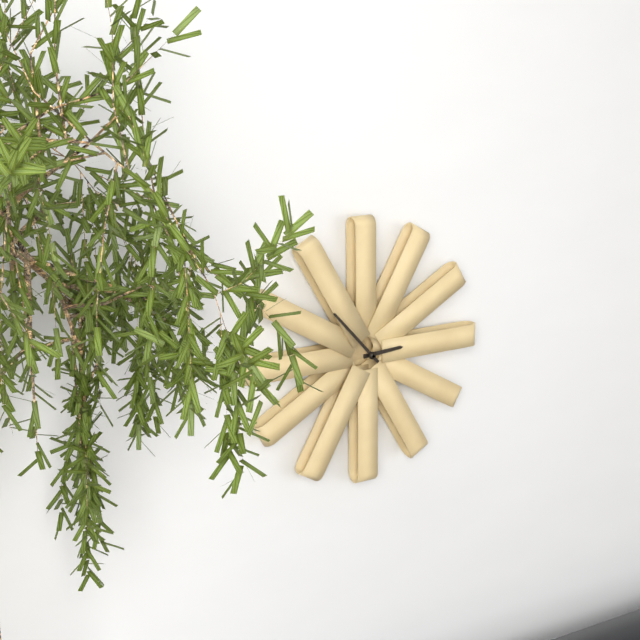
2:53
